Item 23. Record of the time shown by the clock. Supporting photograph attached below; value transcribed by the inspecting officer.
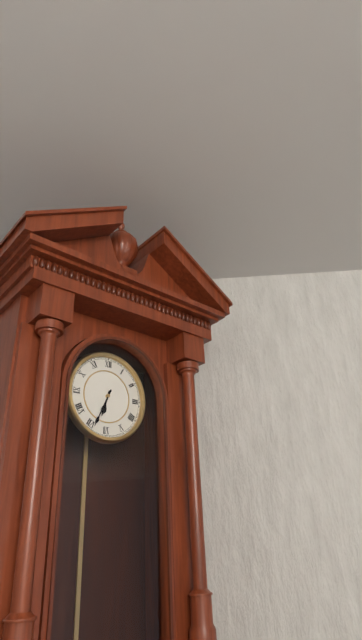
6:34
